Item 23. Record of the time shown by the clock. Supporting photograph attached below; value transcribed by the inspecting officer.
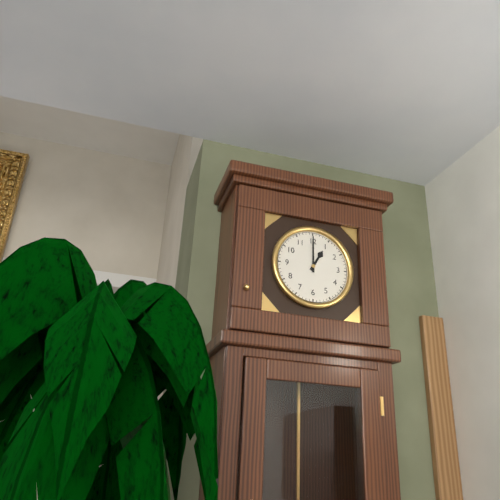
1:00
